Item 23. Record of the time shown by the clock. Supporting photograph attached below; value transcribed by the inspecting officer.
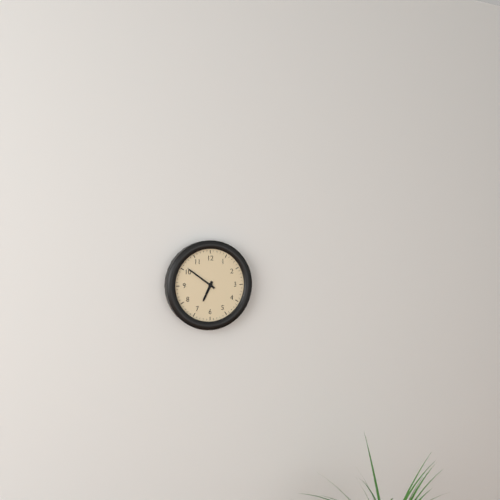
6:51
